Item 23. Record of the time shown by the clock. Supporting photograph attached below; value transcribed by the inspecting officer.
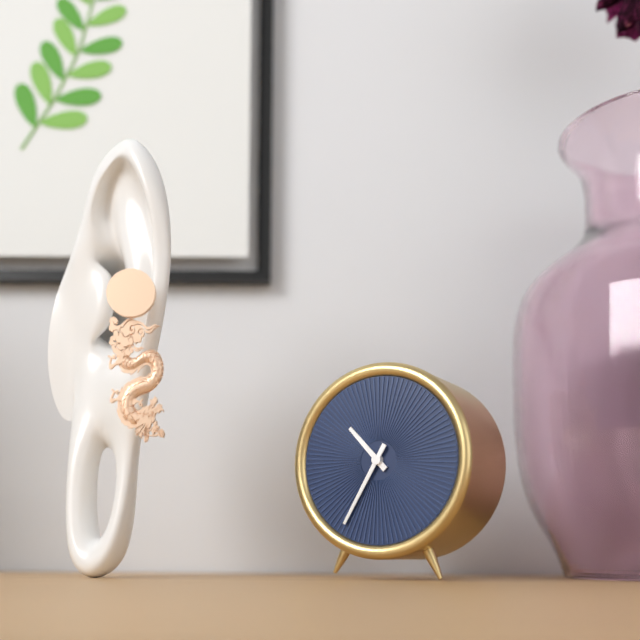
10:35
